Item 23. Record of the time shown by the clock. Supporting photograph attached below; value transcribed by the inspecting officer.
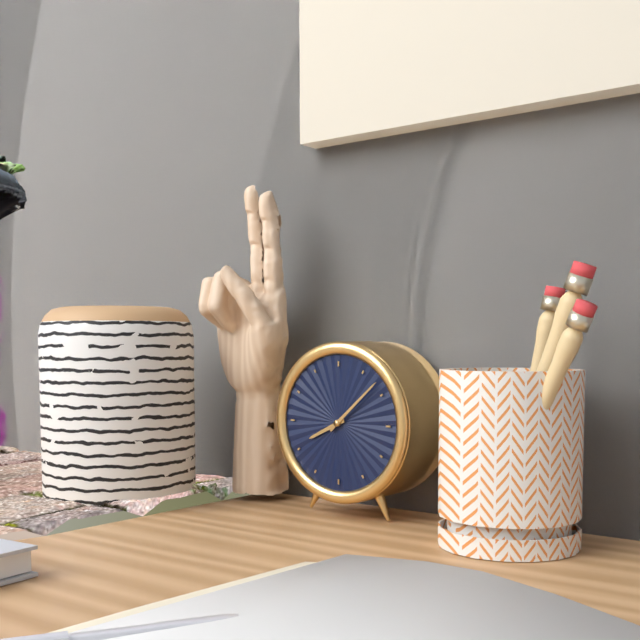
8:08
